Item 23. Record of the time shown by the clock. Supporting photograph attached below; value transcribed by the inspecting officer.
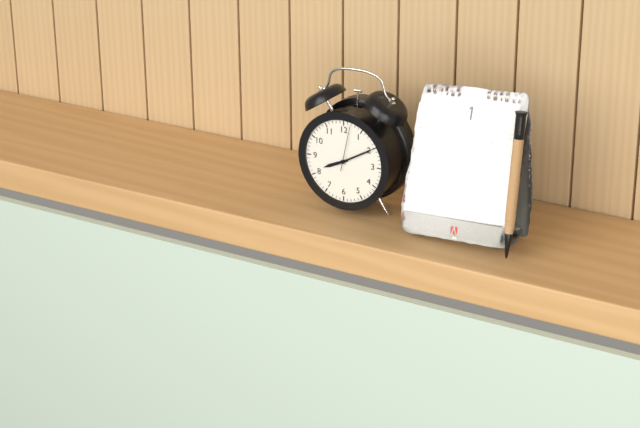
8:10
